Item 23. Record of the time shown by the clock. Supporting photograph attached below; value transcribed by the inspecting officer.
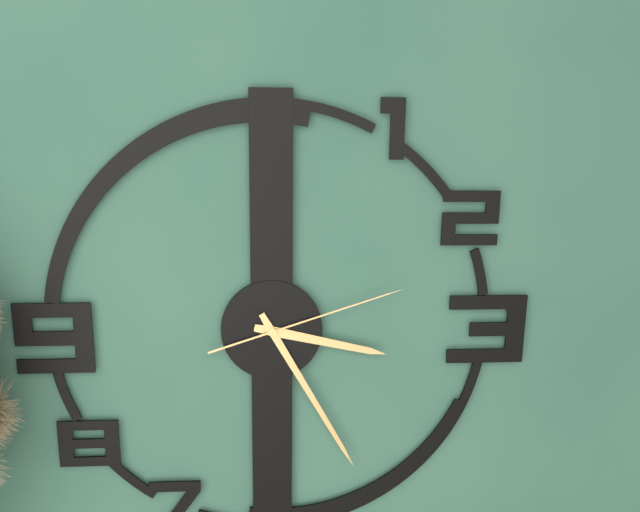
3:25:12
